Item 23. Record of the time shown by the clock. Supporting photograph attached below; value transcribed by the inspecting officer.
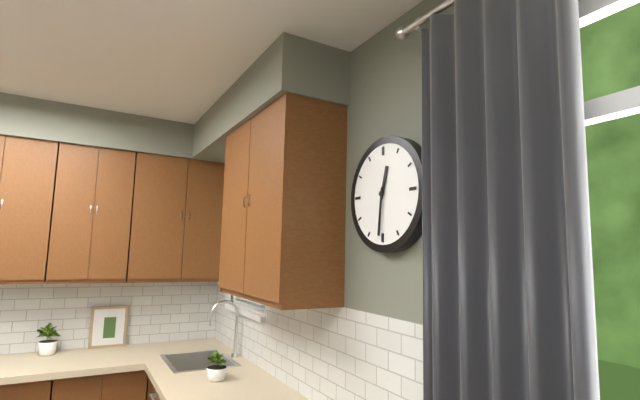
12:31
